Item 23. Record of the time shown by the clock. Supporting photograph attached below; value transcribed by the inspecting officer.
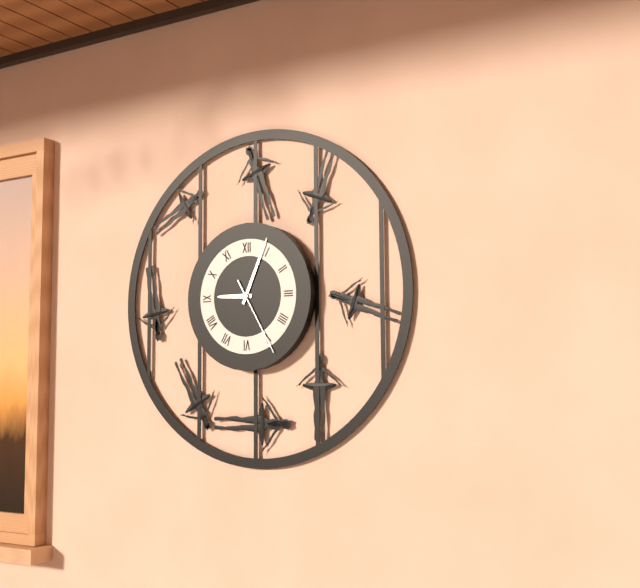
9:04:25
